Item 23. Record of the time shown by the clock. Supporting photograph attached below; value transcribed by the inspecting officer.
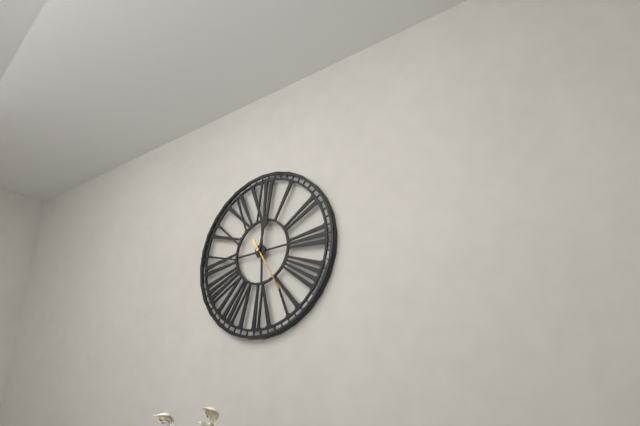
12:25
